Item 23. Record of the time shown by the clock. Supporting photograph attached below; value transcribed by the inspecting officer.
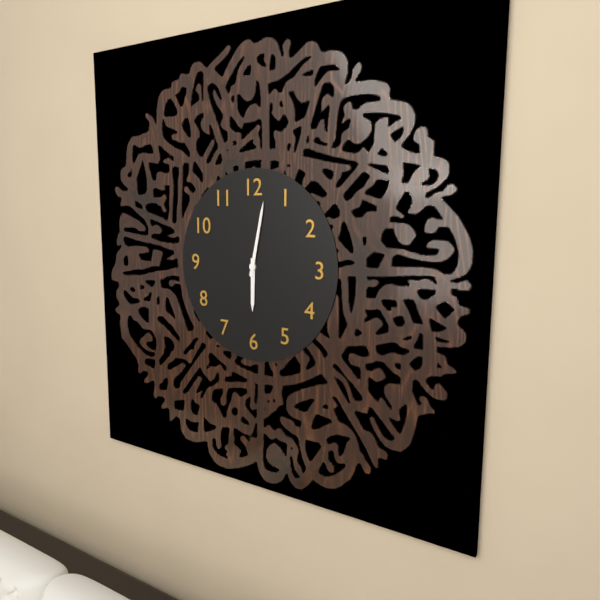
6:02
